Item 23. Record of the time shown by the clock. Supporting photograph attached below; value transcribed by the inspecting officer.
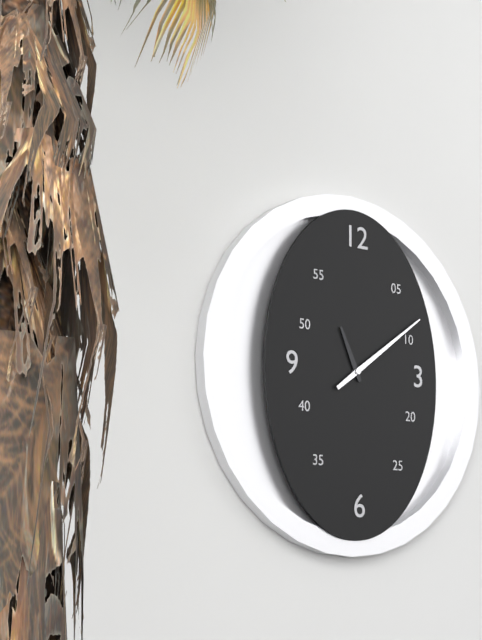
11:09
